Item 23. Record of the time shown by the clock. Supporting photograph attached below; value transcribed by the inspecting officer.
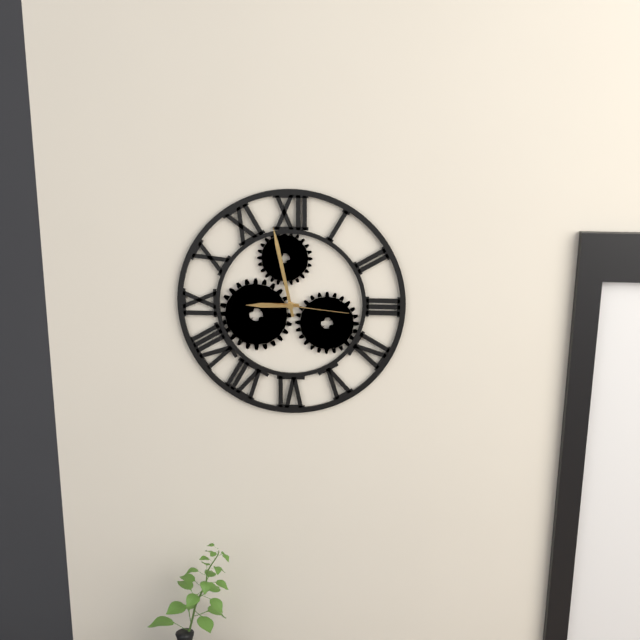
8:58:16
